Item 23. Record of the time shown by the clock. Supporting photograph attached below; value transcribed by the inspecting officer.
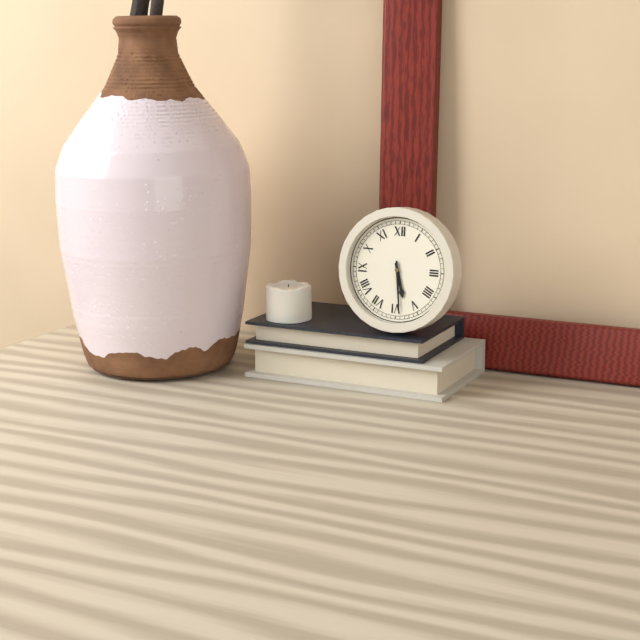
5:29
